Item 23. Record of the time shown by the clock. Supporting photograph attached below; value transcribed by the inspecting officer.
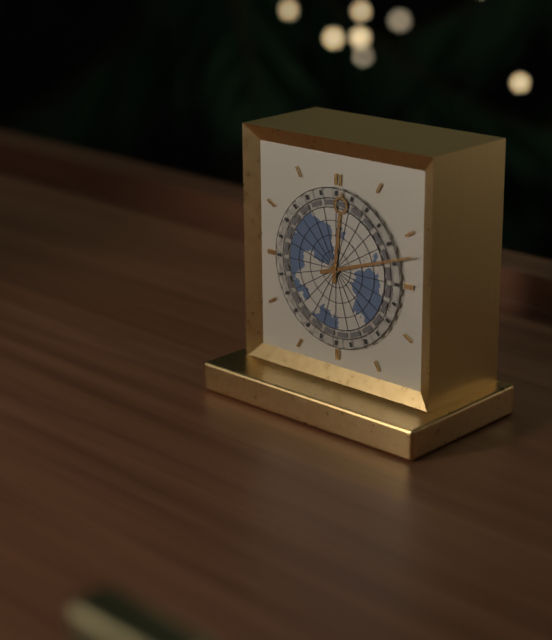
12:12
